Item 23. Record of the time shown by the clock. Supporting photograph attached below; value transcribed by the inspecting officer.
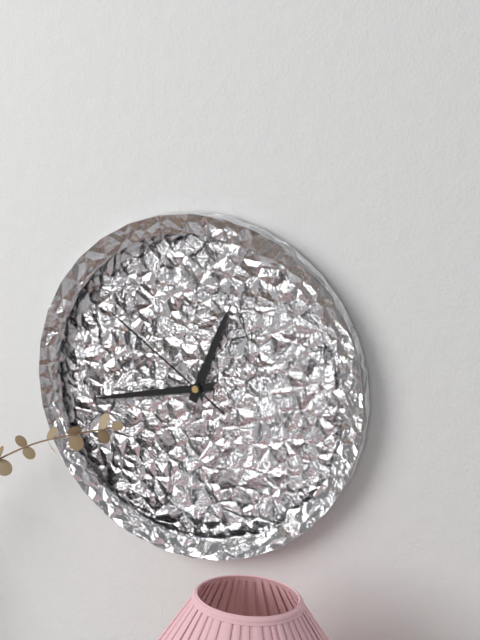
12:43:51
